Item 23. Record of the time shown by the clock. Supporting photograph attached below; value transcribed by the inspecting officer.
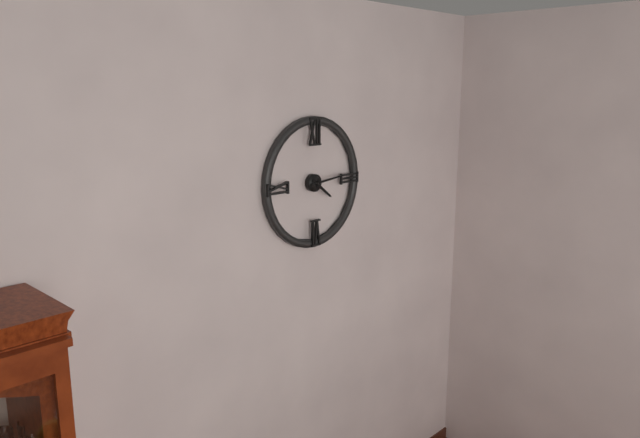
4:14
